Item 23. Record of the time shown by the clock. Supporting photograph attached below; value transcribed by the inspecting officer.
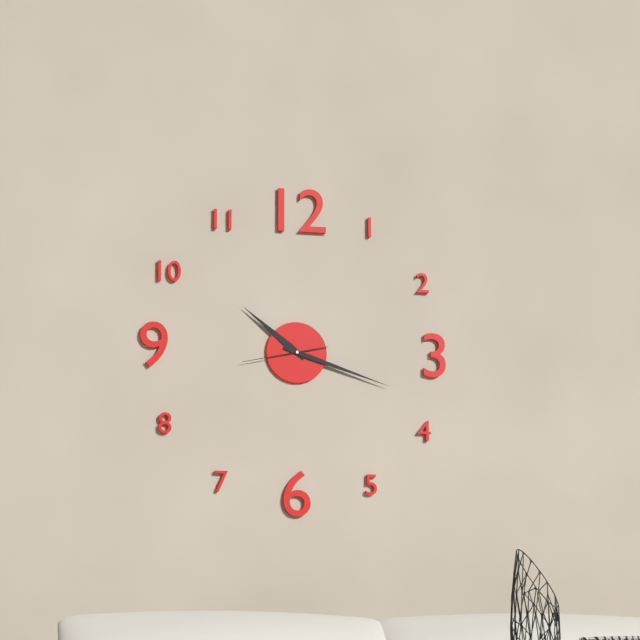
10:18:43
